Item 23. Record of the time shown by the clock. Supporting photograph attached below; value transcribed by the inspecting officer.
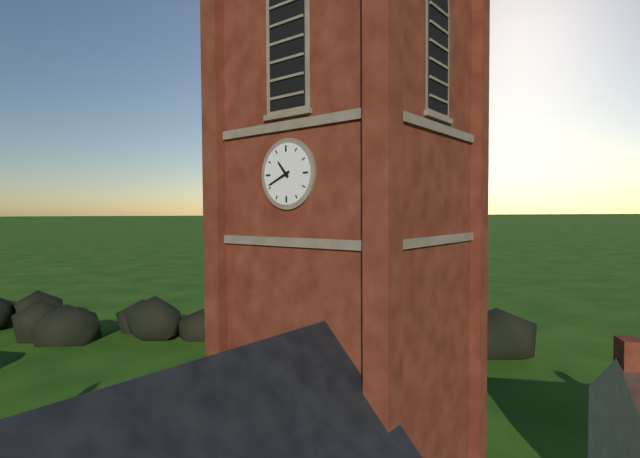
10:41
